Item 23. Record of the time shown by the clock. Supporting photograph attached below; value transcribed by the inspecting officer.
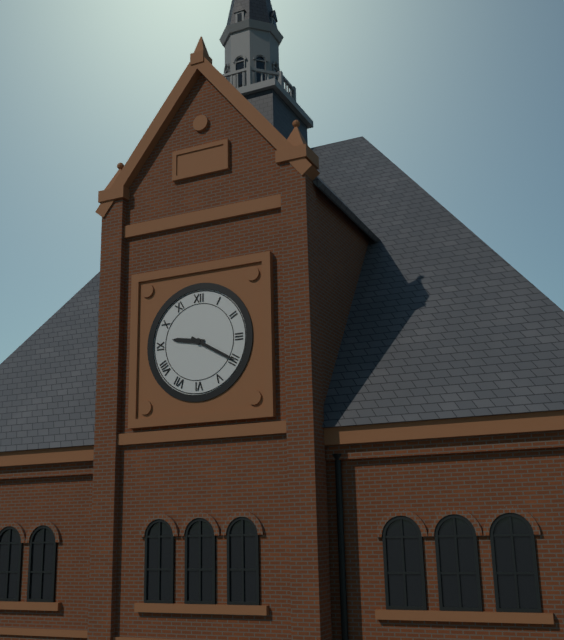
9:20
